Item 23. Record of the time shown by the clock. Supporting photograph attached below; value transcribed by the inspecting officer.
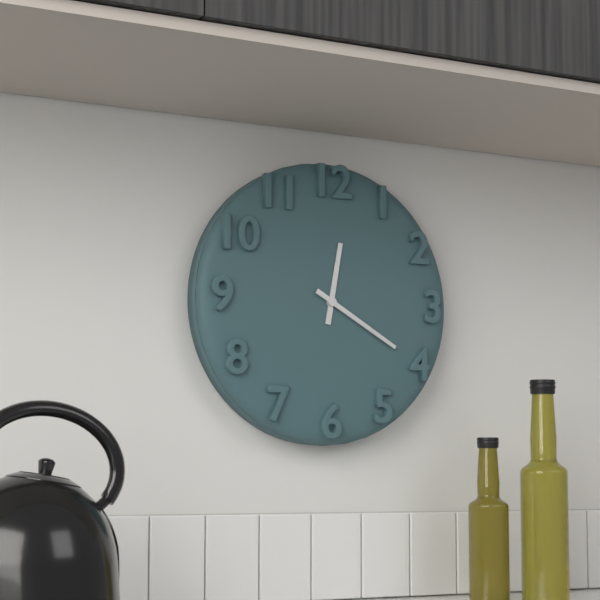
12:20
